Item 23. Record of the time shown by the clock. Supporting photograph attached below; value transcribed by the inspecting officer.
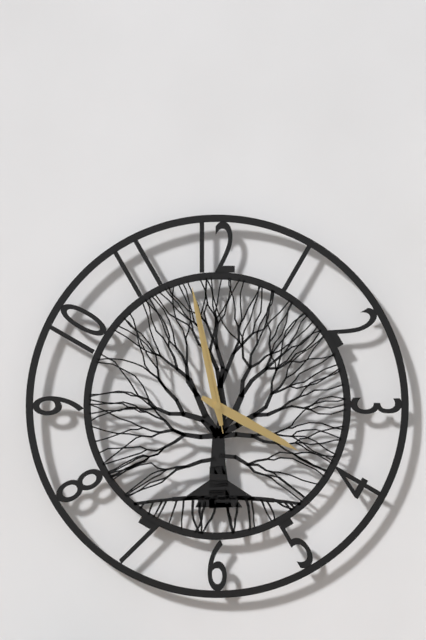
3:58:58
